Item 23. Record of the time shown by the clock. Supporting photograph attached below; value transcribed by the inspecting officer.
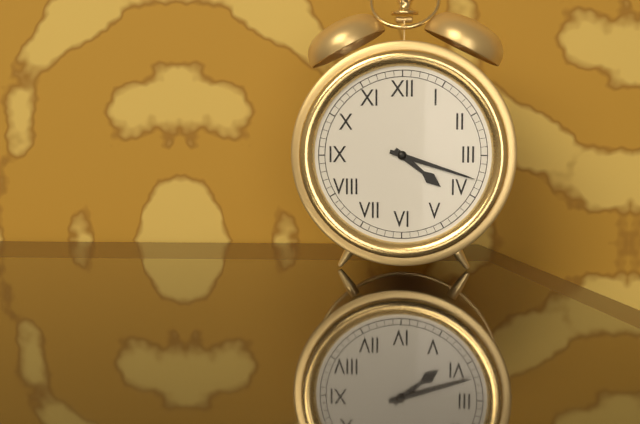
4:18
